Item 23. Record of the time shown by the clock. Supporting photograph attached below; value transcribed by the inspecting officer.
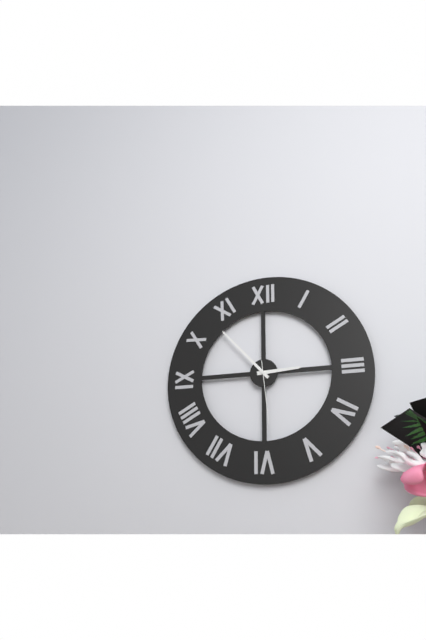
2:53:29
